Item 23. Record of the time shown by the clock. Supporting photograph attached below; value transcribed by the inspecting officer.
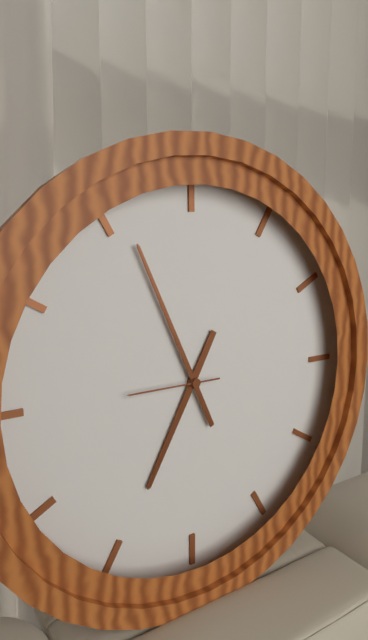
6:56:45
